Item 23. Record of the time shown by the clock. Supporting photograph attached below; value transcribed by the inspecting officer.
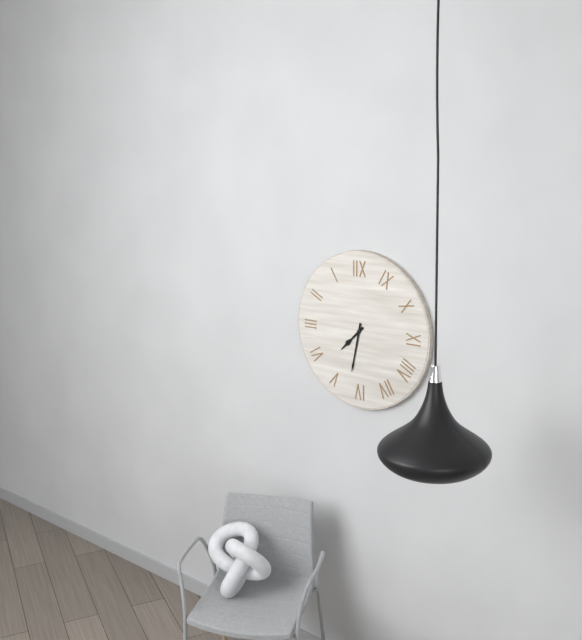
7:32
